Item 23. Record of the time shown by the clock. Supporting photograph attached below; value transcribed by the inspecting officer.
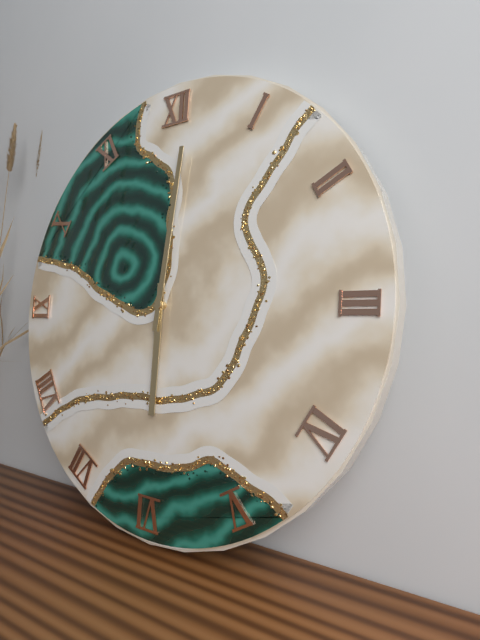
6:01
